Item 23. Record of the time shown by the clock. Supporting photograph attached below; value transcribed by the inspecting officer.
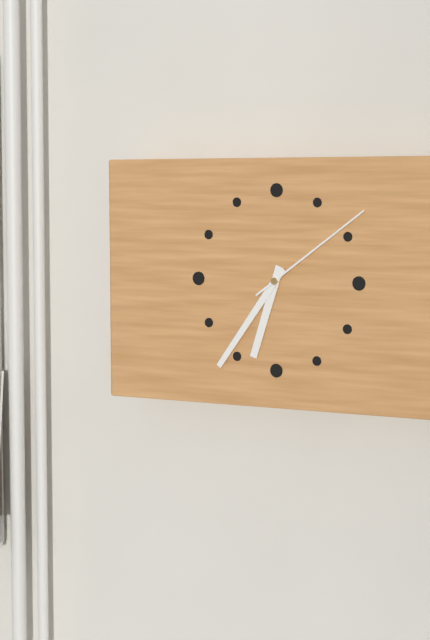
6:36:09
